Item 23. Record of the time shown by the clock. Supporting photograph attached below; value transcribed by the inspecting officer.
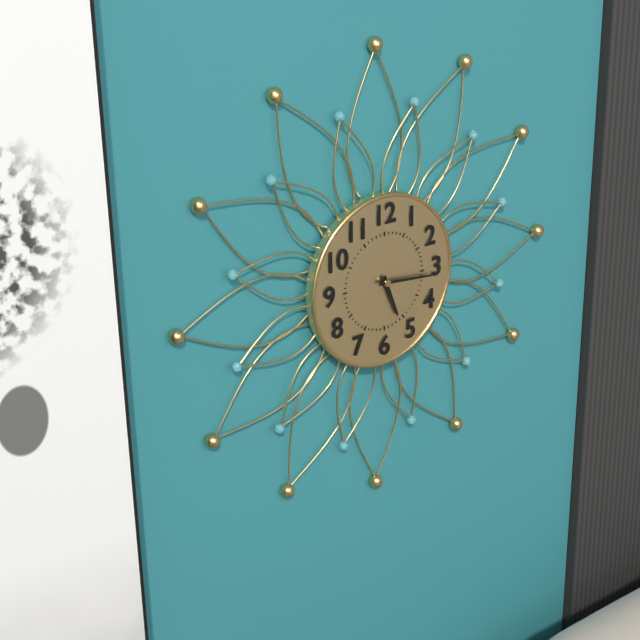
5:16
